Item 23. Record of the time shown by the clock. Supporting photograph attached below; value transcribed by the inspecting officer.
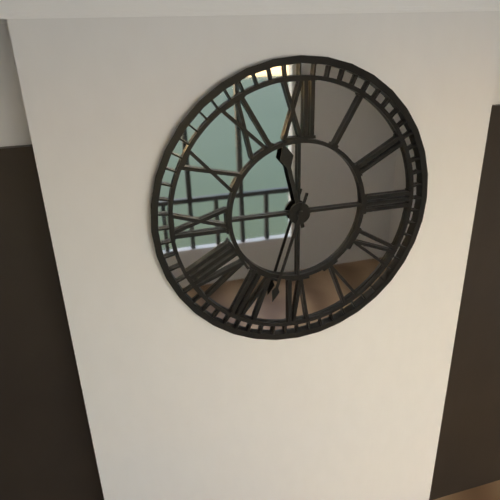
11:33
